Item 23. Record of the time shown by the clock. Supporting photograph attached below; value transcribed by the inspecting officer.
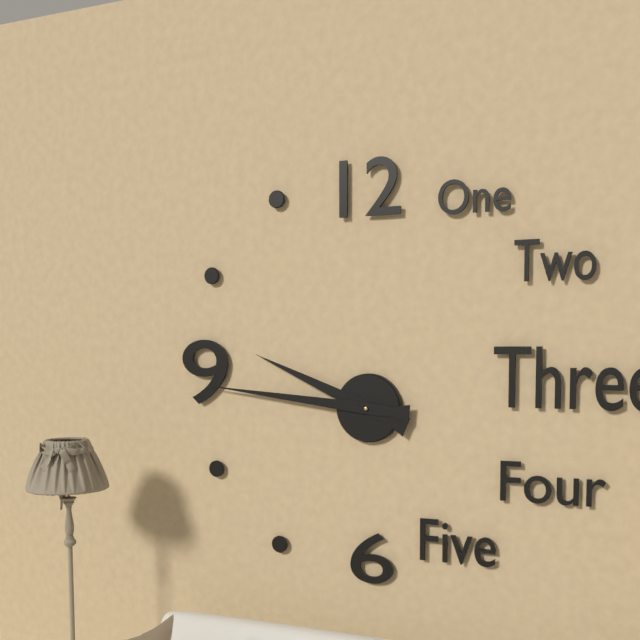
9:46
